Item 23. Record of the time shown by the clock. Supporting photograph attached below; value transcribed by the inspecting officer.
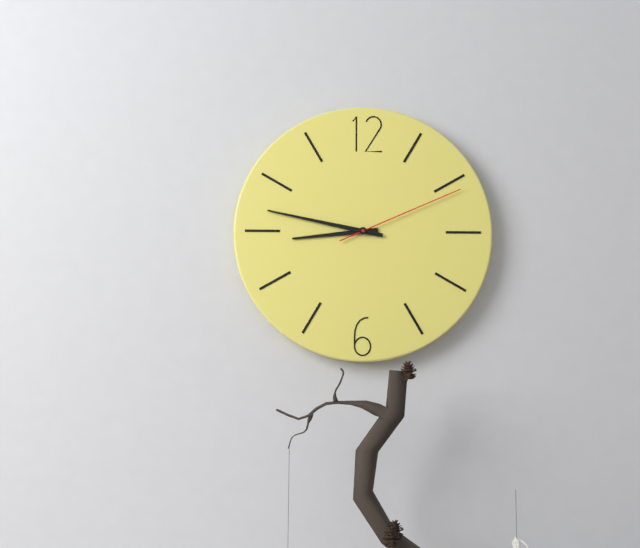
8:47:11
